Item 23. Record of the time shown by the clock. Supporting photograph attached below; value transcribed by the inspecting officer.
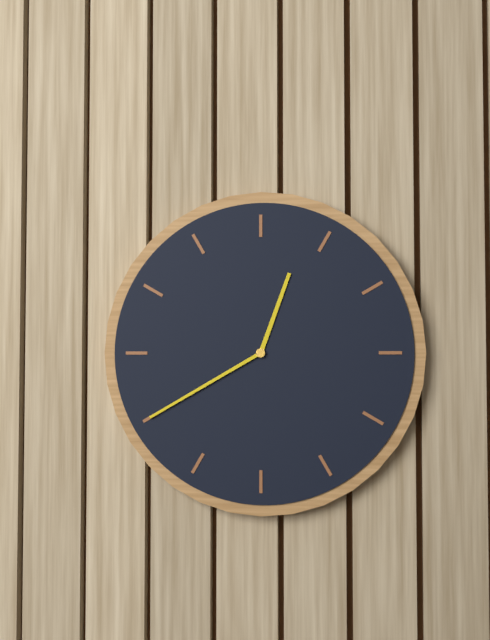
12:40
